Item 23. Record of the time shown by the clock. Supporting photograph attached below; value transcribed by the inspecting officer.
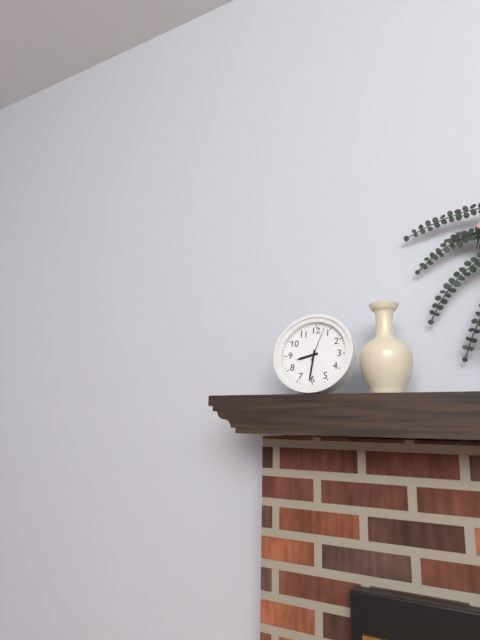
8:31
